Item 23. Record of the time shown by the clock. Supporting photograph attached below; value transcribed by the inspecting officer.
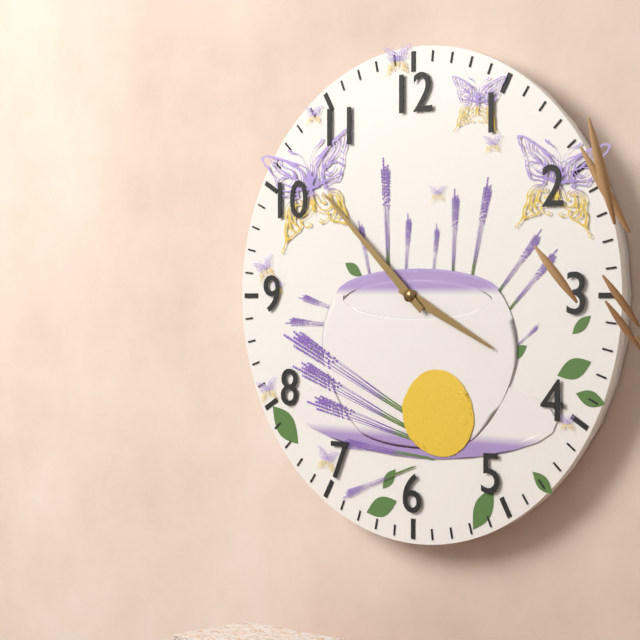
3:52
